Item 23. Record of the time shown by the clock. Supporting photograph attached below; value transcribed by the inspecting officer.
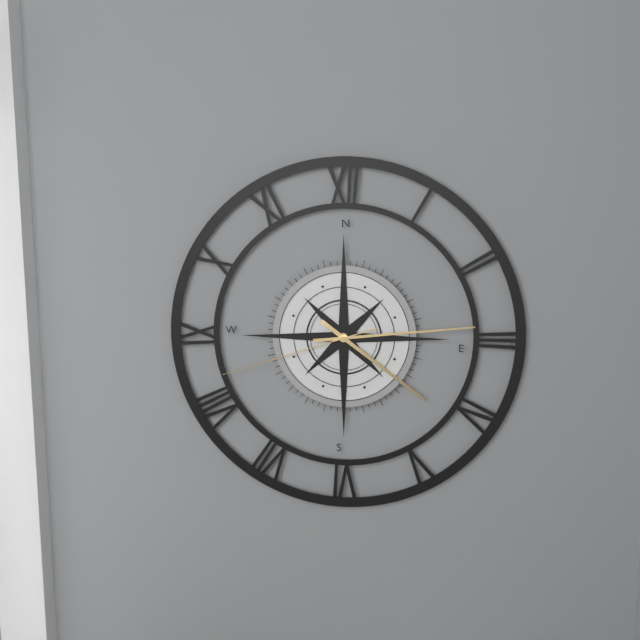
4:14:42
